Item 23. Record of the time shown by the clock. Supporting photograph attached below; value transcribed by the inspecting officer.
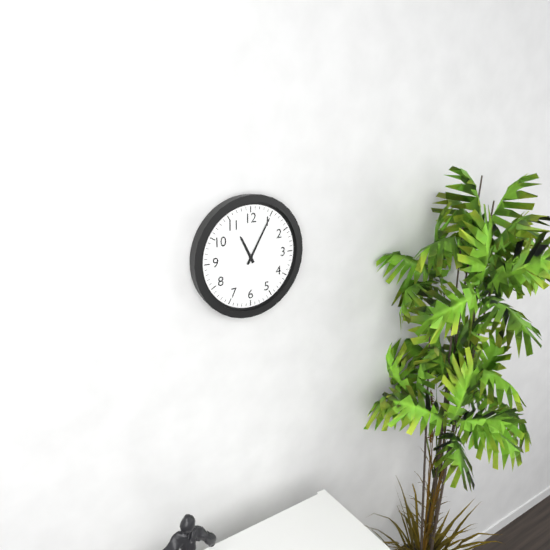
11:05
